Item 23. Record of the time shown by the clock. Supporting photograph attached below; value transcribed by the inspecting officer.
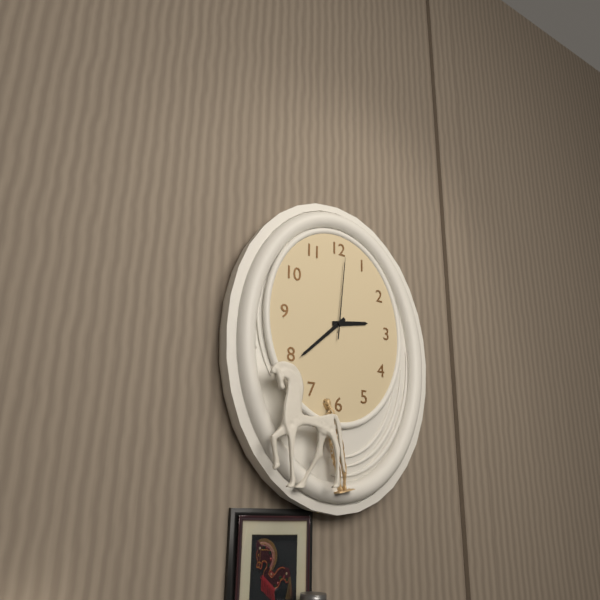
2:38:01
